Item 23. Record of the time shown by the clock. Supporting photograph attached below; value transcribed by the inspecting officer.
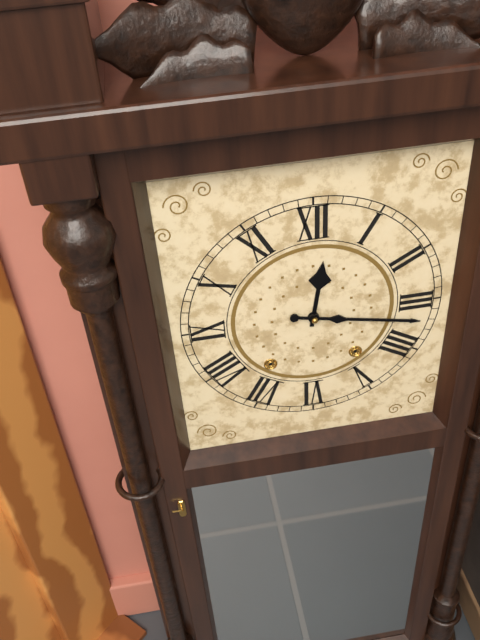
12:17
